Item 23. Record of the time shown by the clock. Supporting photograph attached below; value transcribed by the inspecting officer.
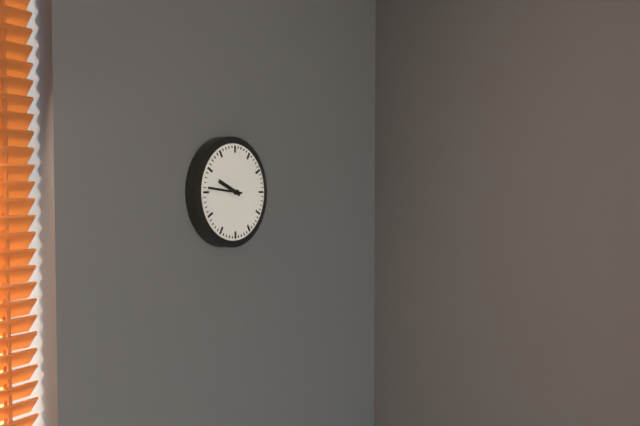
9:46
